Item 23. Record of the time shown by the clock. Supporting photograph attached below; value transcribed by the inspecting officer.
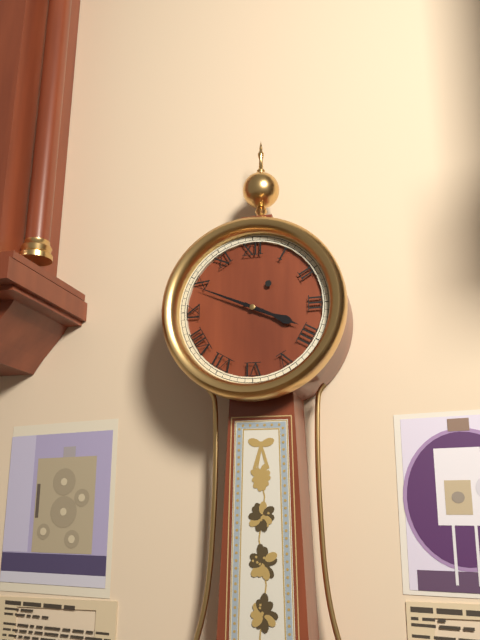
3:49
